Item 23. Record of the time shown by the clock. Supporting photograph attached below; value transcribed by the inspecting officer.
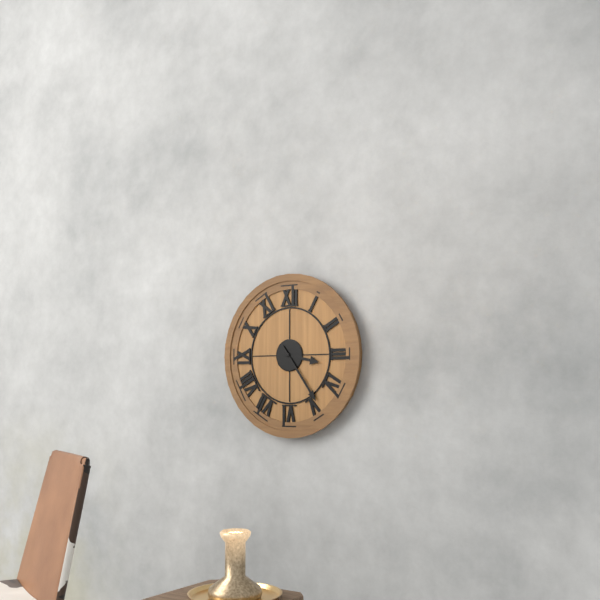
3:24
